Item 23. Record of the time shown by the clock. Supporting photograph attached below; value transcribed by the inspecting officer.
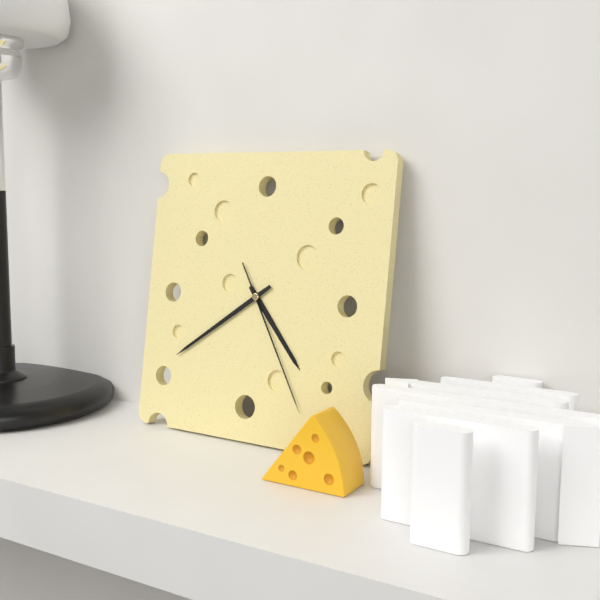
4:39:25
